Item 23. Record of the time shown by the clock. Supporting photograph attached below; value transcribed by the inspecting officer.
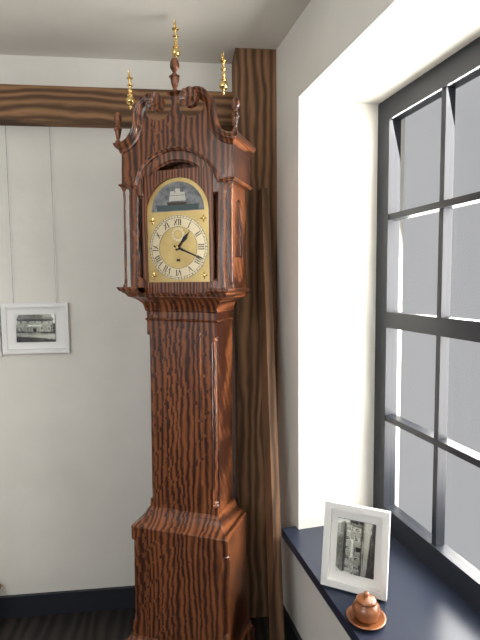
1:19
